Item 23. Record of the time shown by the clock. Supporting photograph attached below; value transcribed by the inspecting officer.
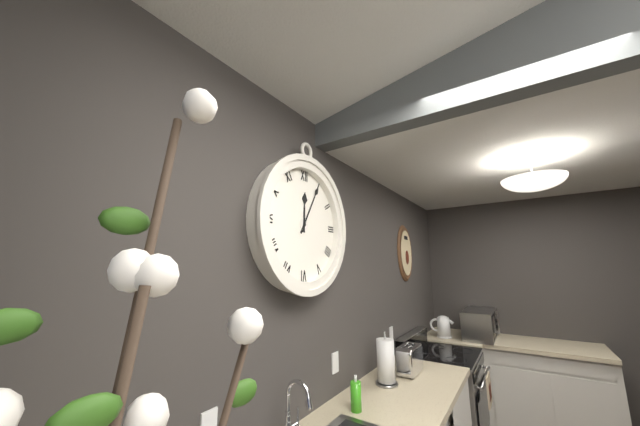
12:05
